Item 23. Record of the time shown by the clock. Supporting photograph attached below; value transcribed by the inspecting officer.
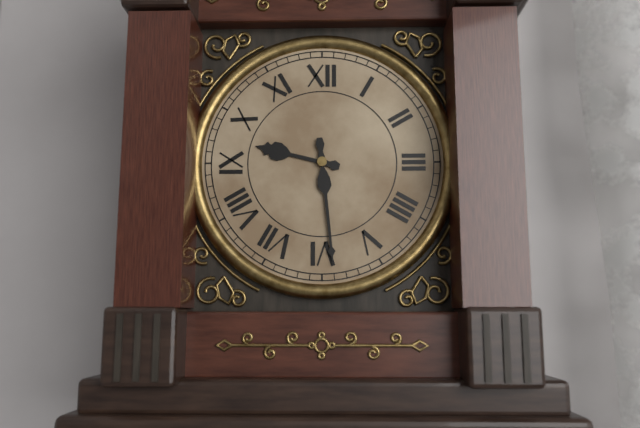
9:29
